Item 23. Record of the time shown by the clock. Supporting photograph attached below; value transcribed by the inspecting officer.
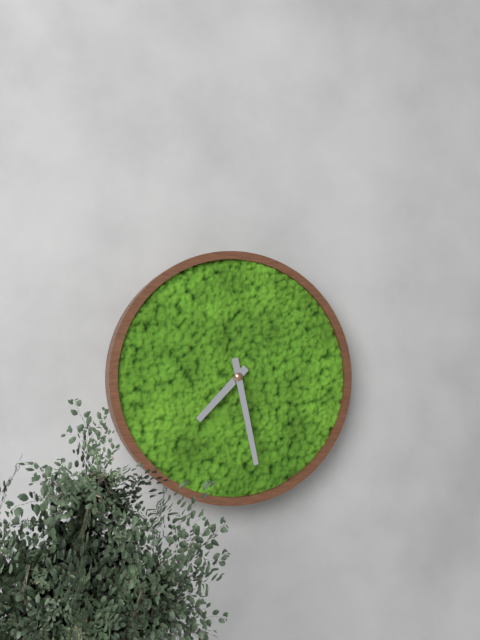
7:28
